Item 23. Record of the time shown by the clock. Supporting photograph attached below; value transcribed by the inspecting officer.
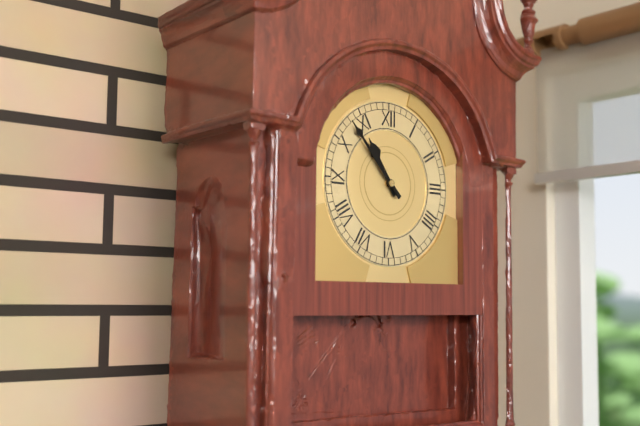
10:53
